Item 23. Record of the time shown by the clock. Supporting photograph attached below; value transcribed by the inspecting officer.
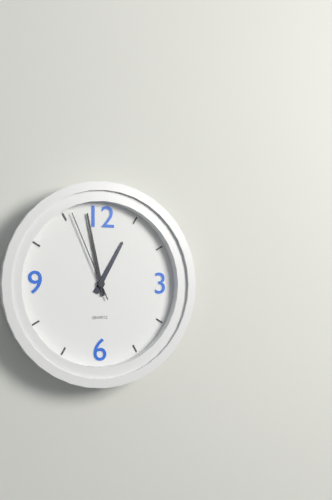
12:58:56
